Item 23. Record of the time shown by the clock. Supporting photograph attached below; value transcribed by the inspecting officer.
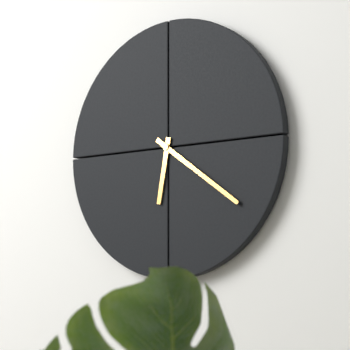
6:21
